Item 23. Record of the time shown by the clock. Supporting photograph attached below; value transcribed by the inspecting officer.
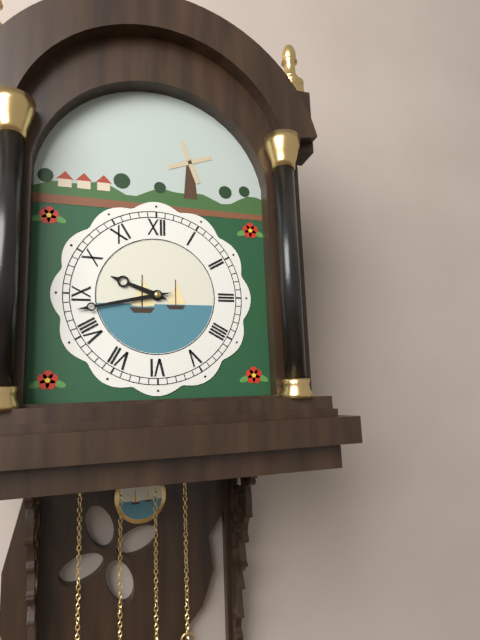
9:43
